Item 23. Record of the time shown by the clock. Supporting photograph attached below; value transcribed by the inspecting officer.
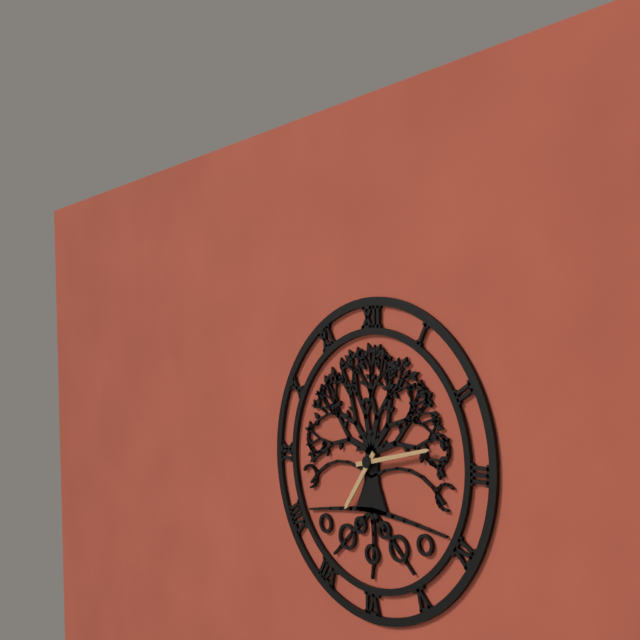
7:13
